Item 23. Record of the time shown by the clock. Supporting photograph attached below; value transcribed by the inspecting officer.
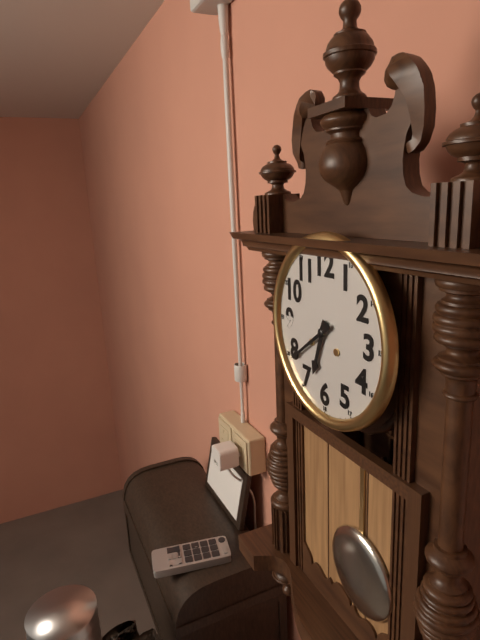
6:39
